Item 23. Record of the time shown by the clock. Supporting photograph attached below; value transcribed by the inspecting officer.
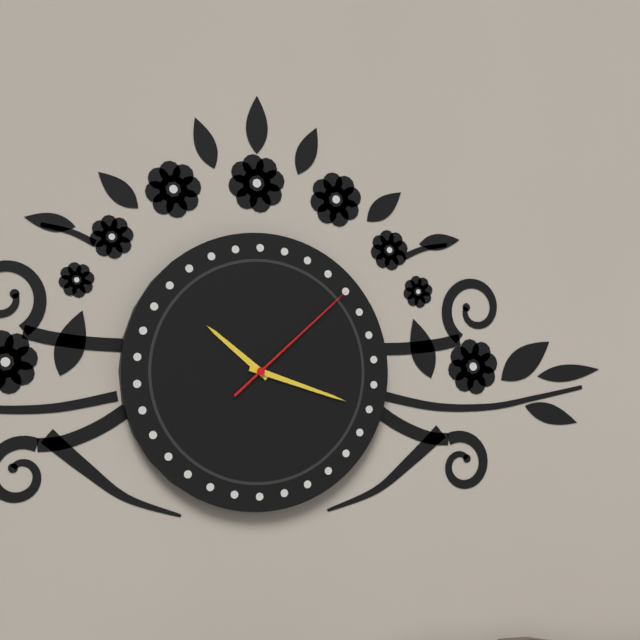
10:18:08
